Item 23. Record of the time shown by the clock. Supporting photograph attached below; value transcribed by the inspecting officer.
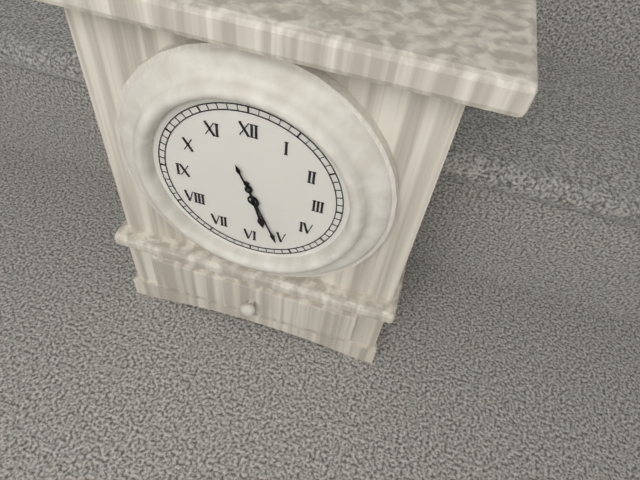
5:26
